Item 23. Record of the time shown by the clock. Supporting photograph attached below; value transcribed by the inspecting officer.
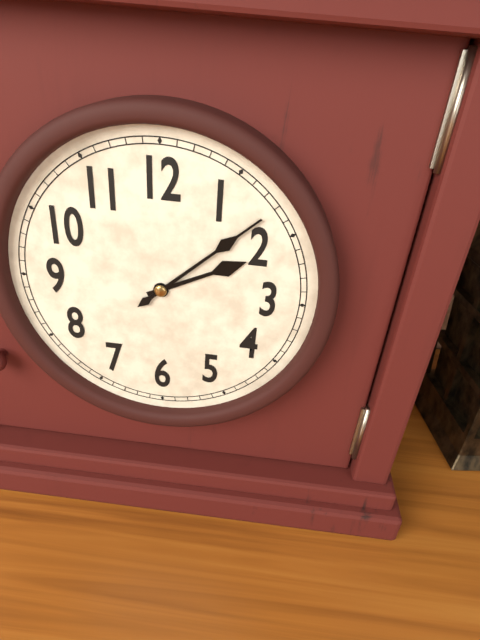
2:08
